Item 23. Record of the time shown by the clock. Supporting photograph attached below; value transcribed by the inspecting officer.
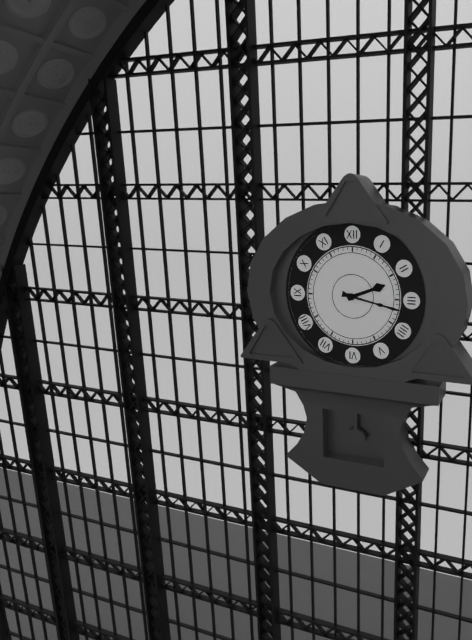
2:17
